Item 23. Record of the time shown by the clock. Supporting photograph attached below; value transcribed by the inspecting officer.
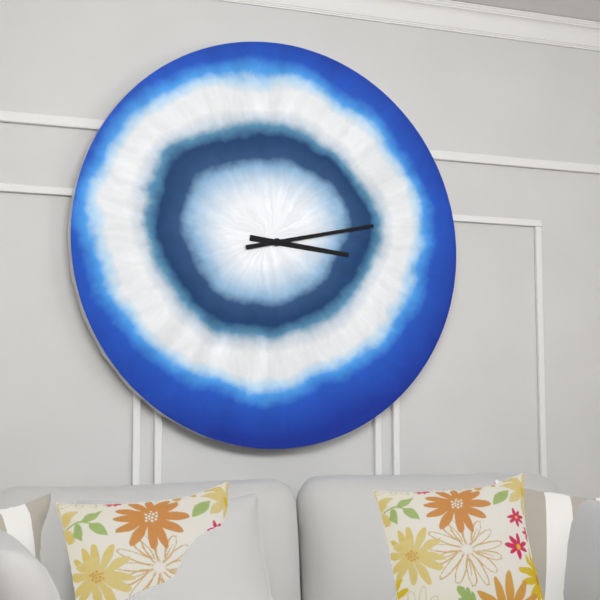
3:13
